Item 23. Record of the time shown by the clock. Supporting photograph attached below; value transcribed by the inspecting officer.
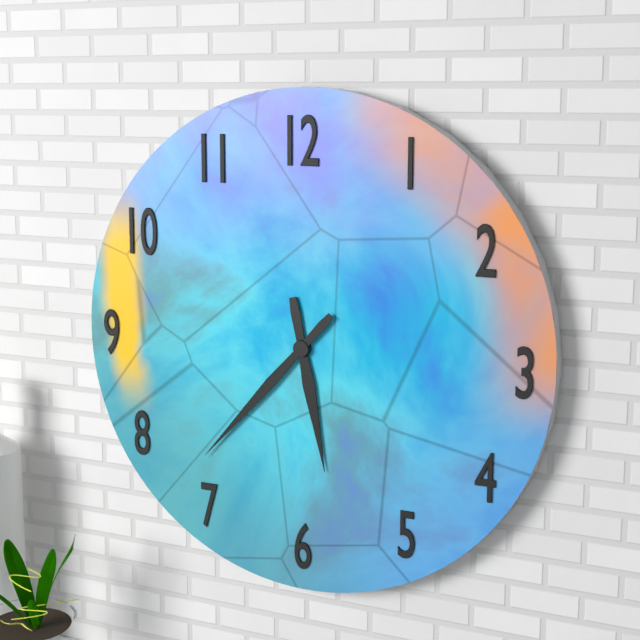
5:37
